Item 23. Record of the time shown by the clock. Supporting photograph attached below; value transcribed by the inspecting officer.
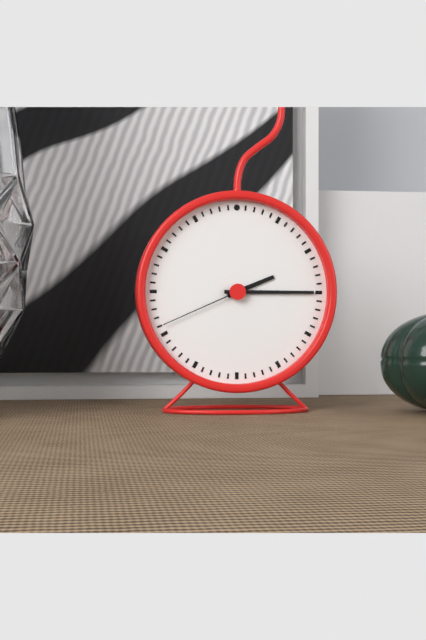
2:15:41
